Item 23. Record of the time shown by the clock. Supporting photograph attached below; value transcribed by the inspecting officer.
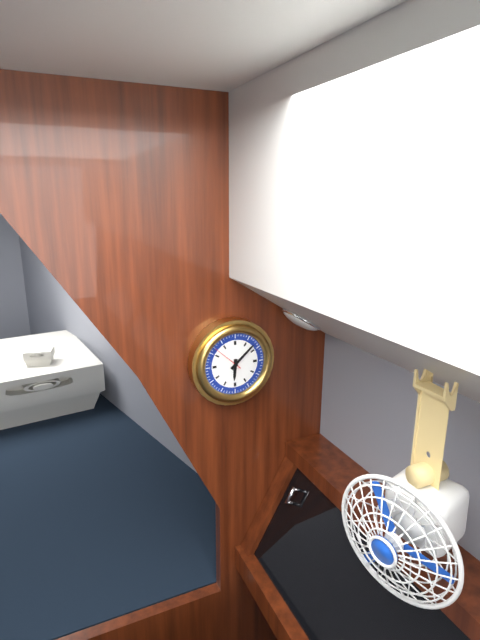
6:08
